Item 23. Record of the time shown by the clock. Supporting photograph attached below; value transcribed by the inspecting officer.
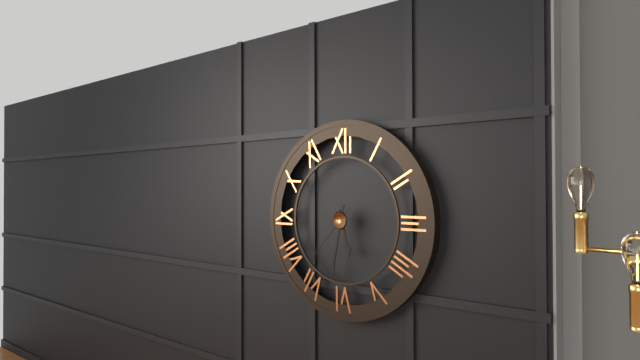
5:32:37
